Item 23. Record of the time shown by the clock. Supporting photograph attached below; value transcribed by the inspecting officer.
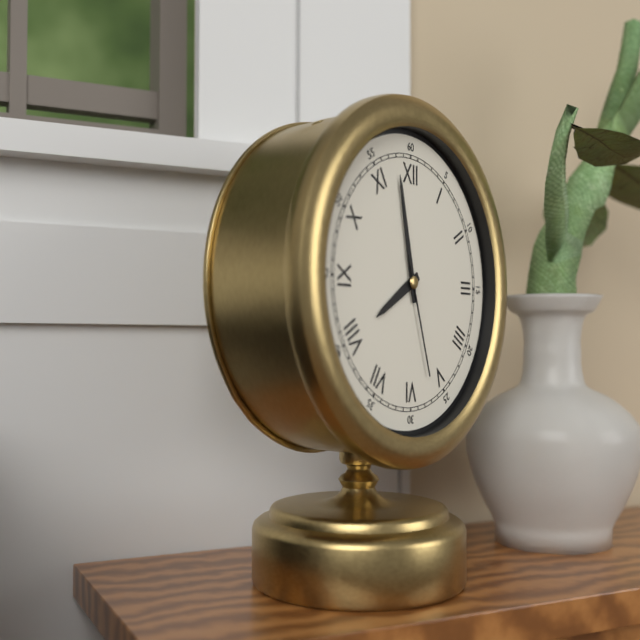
7:58:27
